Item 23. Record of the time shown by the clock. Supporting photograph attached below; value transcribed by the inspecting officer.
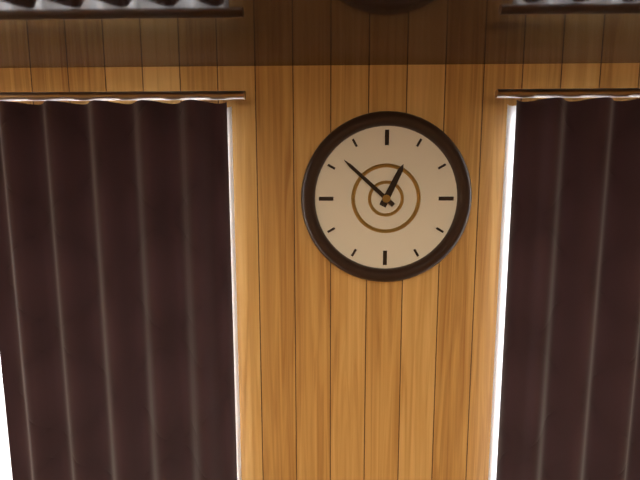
12:52
